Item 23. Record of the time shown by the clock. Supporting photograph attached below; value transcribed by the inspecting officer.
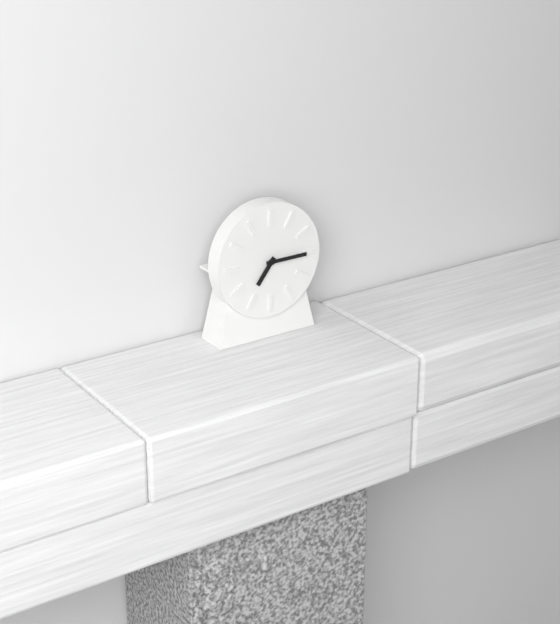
7:15
